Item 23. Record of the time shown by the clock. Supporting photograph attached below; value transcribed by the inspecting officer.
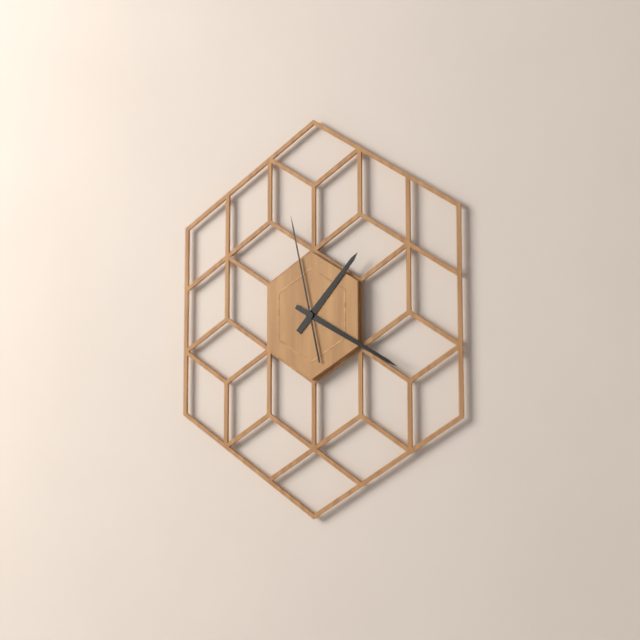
1:20:58
